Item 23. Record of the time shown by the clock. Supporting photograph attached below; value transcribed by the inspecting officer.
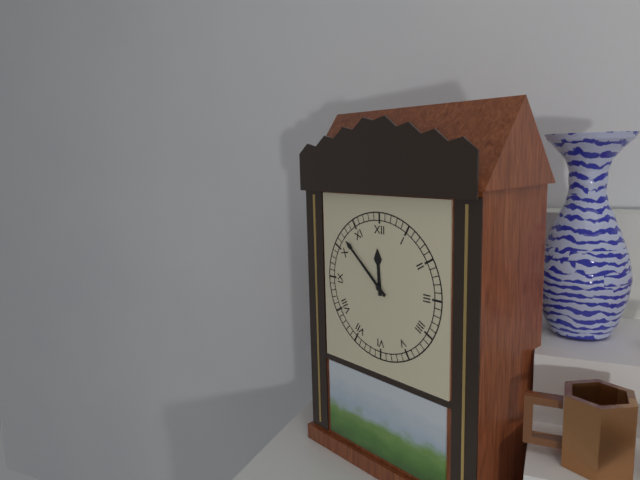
11:52
